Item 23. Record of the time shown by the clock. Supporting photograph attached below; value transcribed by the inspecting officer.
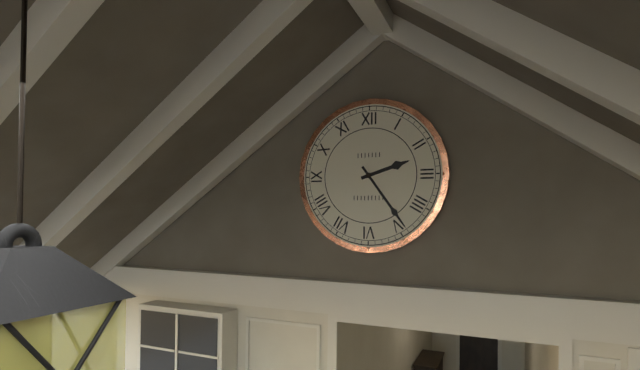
2:24
